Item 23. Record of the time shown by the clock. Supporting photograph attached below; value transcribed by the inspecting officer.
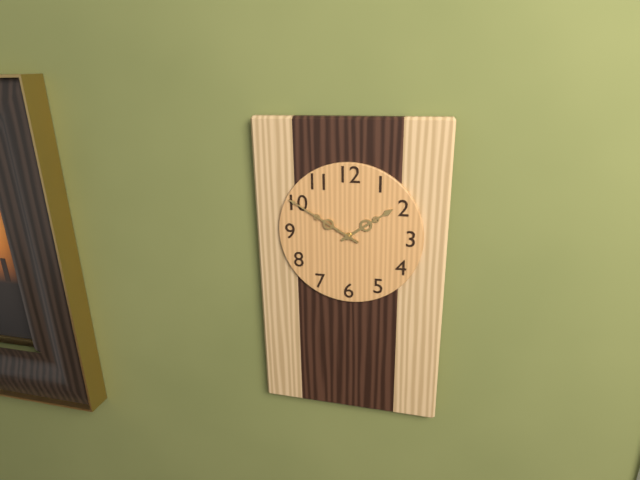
1:50
